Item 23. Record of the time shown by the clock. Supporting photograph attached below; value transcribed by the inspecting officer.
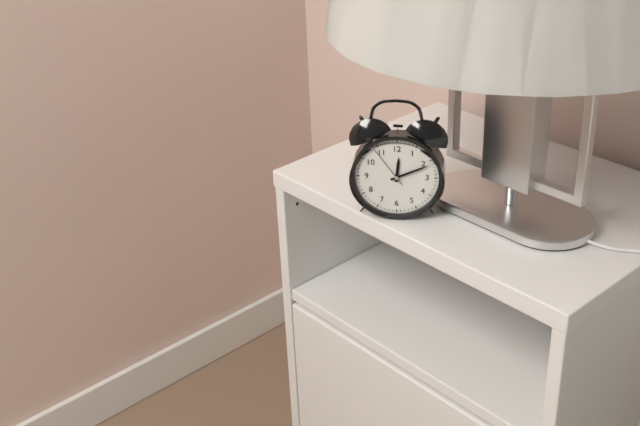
12:11
